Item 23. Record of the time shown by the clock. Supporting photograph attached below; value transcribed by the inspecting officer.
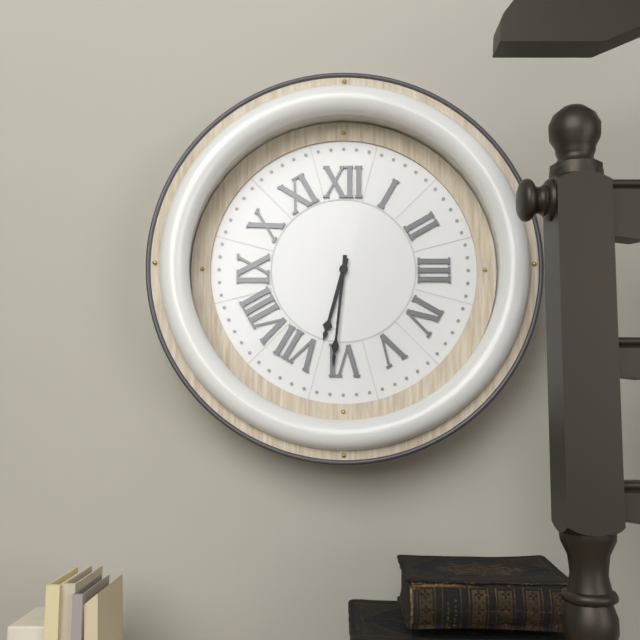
6:31
